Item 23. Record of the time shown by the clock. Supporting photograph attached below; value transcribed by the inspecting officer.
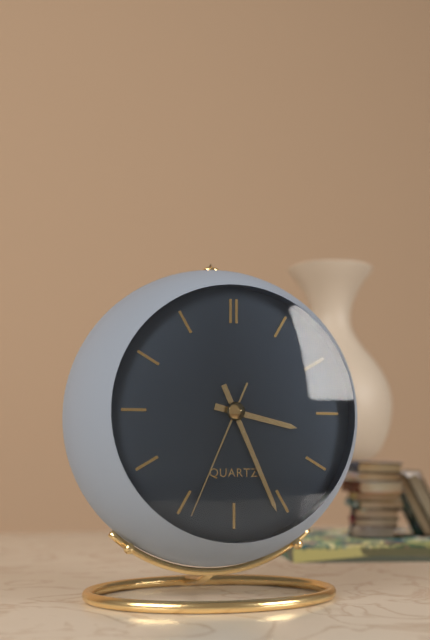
3:26:34
